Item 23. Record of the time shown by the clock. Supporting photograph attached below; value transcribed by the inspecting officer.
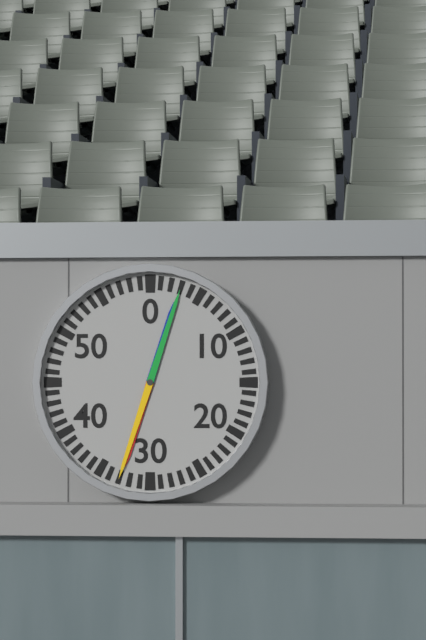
6:33
